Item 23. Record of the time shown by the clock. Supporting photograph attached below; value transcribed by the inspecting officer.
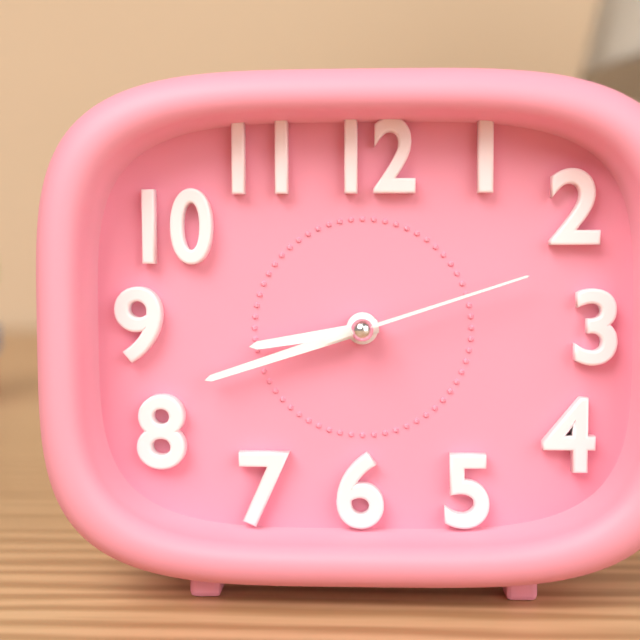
8:42:12
